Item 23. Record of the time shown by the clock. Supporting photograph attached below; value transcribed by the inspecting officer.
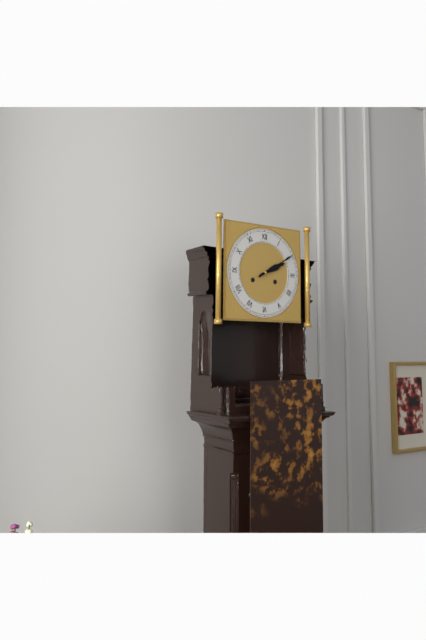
2:10
